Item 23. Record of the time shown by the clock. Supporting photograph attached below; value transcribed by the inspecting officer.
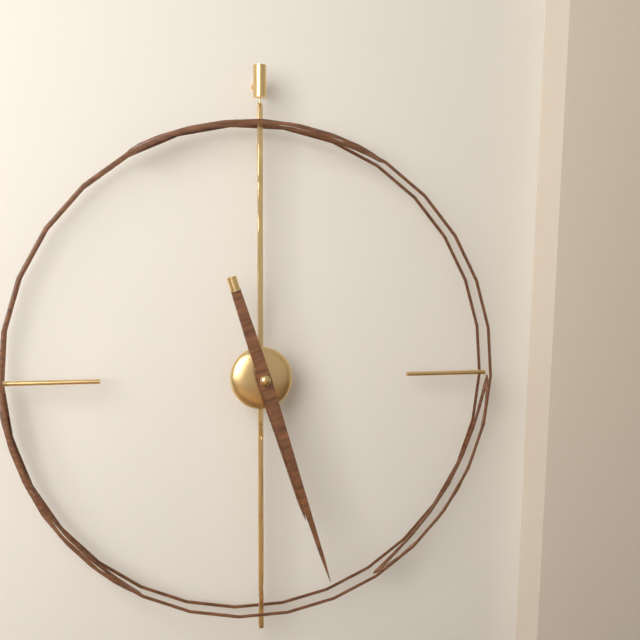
5:27
